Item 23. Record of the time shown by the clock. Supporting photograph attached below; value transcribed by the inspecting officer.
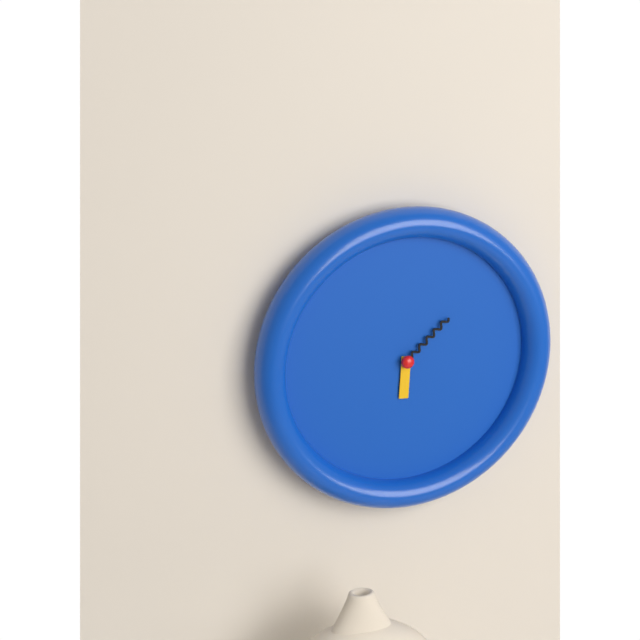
6:08
